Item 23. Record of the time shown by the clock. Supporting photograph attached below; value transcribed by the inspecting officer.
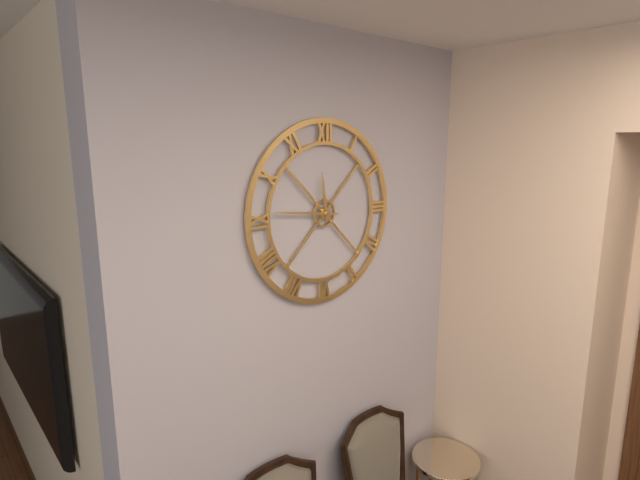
11:46
